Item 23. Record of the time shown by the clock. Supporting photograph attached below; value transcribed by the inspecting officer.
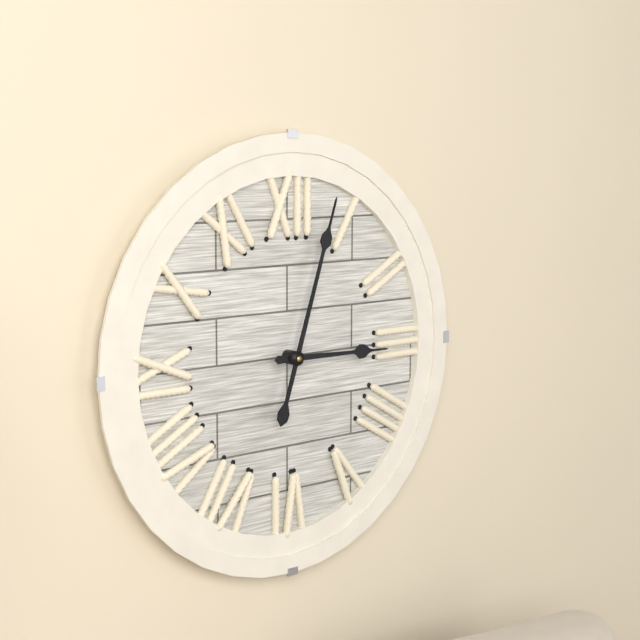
3:03
